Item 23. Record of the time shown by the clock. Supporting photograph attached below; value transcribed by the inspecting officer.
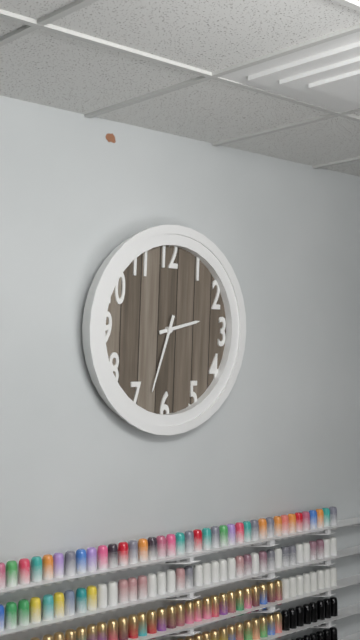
2:33
